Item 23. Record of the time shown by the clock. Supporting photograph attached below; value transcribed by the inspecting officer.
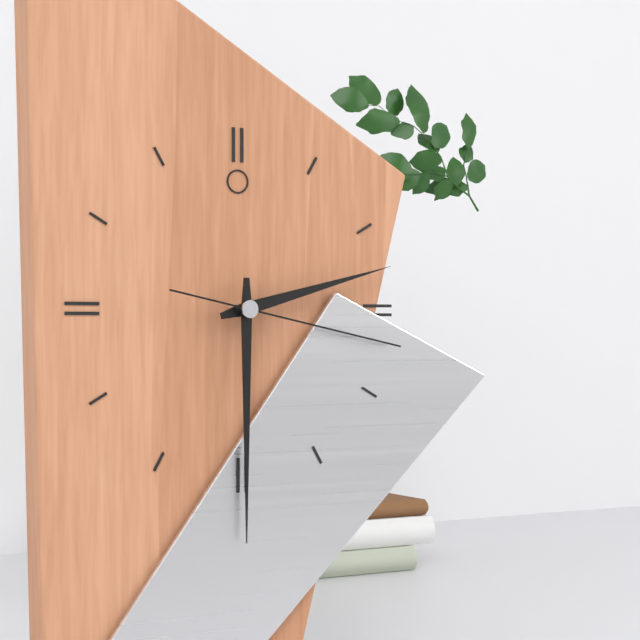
2:30:17
